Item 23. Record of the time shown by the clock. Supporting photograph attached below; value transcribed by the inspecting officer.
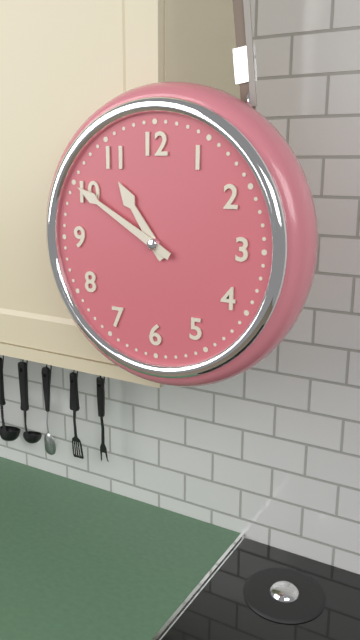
10:50
